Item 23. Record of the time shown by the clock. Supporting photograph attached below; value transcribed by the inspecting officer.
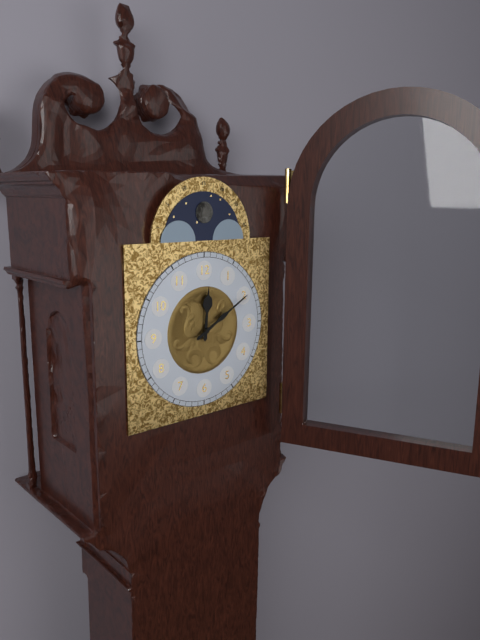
12:10
